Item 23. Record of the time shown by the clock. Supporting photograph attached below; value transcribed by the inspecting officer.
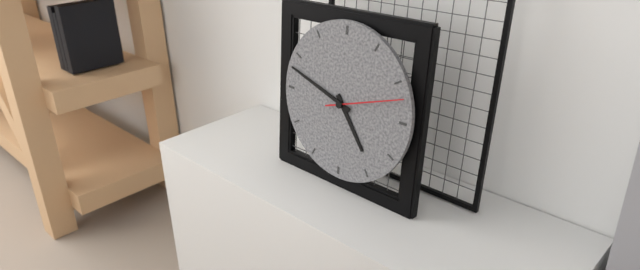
4:48:12
